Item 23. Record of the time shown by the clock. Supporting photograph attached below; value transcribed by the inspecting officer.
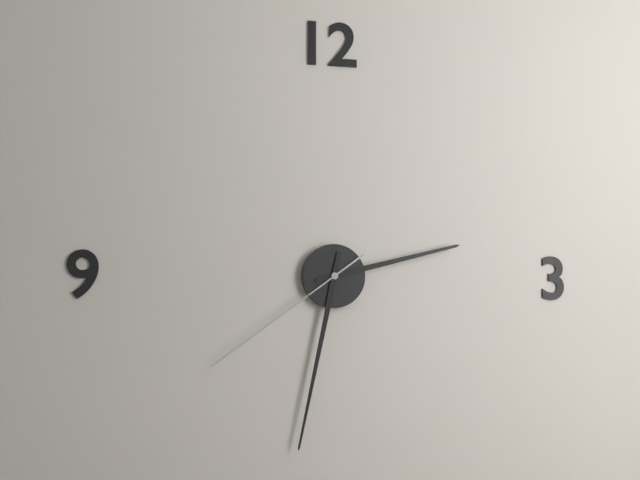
2:32:39
